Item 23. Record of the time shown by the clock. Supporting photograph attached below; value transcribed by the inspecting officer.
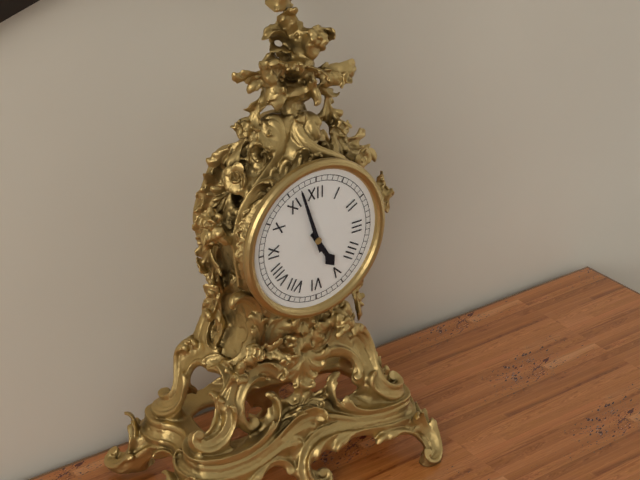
4:57
